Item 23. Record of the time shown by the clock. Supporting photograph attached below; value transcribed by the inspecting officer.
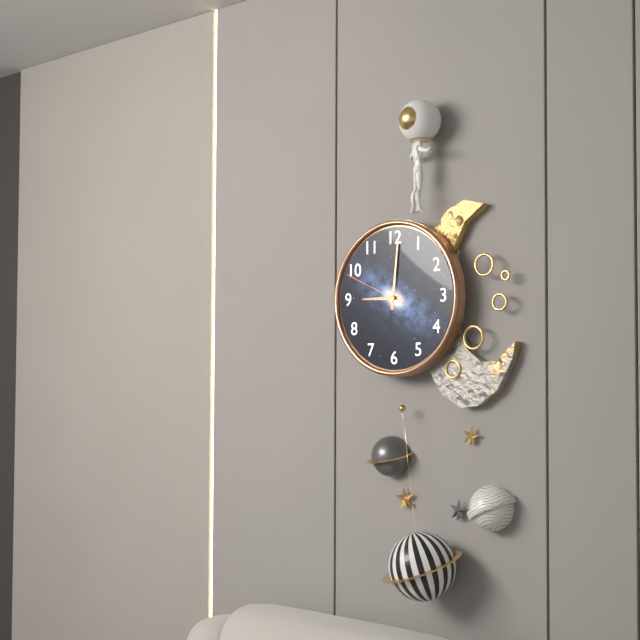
9:01:49
